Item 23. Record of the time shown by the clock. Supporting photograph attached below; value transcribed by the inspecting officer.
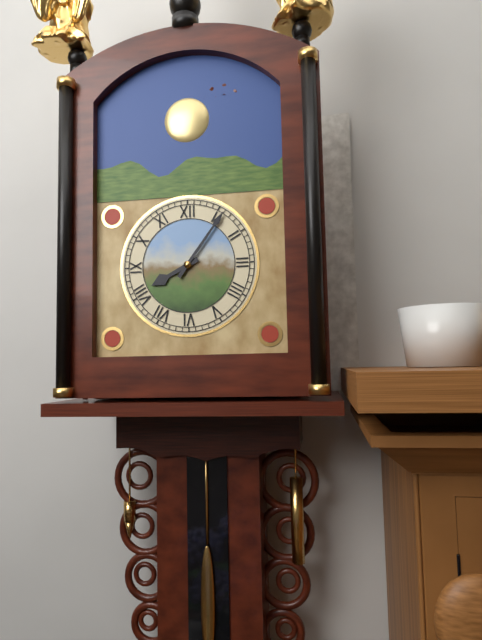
8:06
